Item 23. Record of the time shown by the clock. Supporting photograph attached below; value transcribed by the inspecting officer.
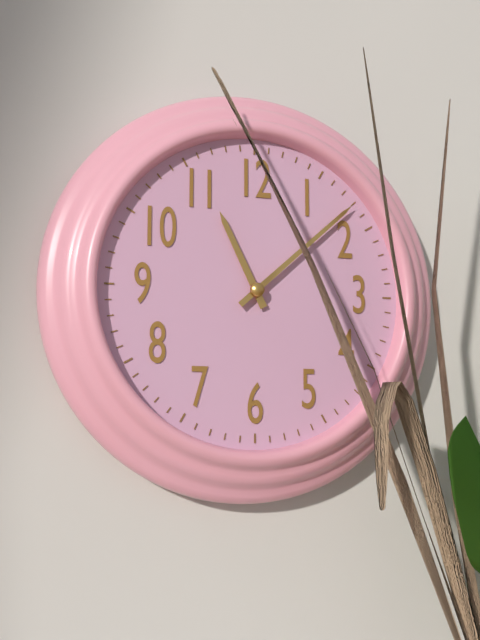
11:08
